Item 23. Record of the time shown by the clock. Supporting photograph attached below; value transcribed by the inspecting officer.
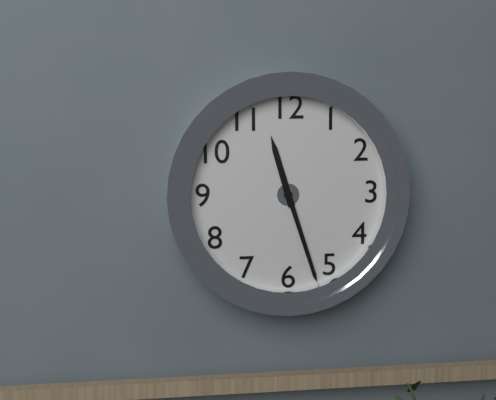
11:27
